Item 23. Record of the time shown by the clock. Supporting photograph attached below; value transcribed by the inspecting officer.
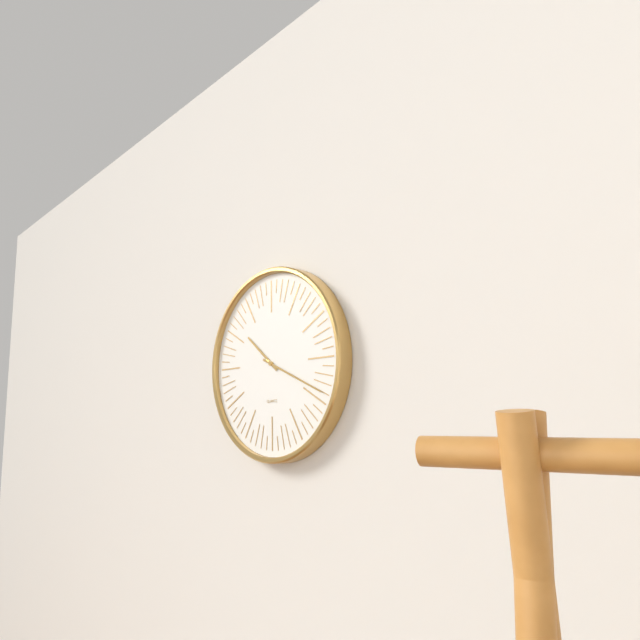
10:19
